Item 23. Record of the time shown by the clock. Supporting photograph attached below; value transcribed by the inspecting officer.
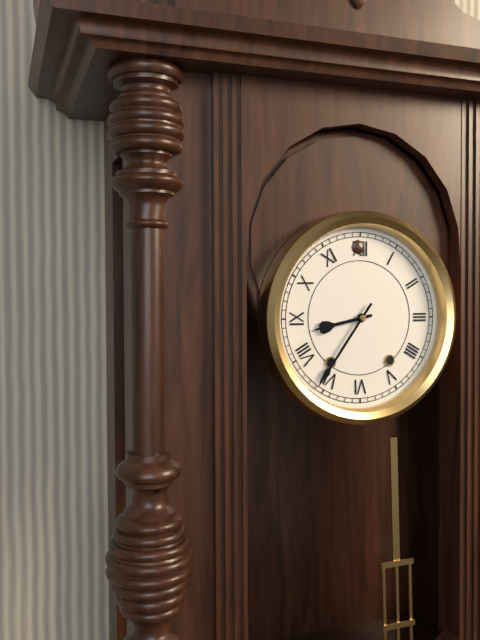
8:36
